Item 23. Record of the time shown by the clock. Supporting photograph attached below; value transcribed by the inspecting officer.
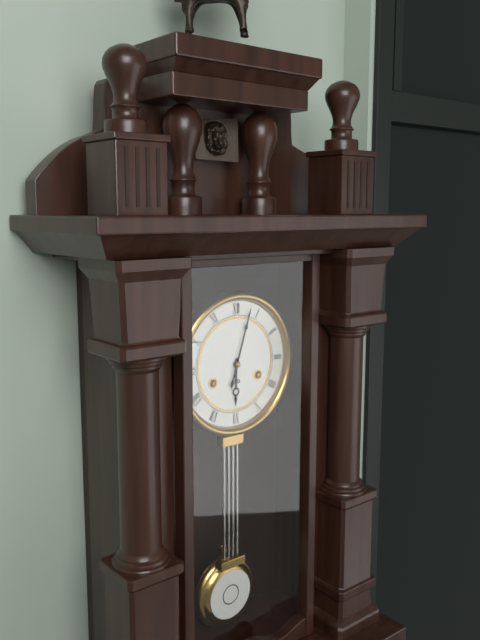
6:03
